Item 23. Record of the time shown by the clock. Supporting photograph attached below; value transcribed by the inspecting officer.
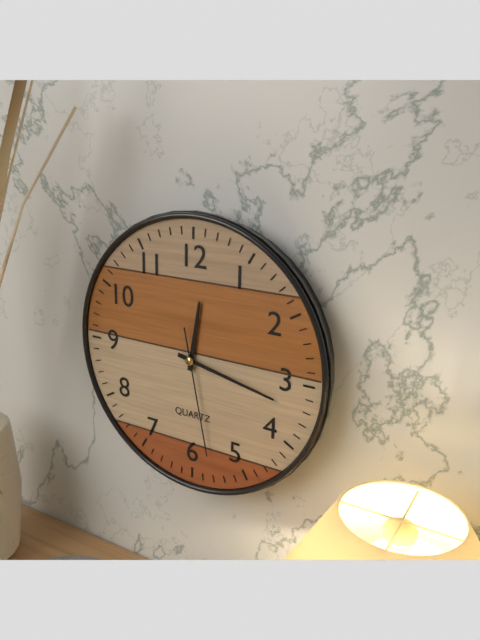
12:17:28
